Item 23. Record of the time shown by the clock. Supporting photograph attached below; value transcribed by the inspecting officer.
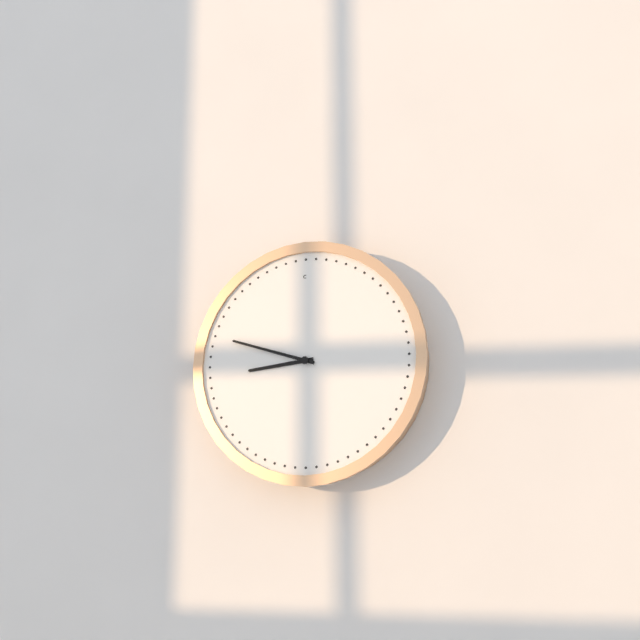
8:48
